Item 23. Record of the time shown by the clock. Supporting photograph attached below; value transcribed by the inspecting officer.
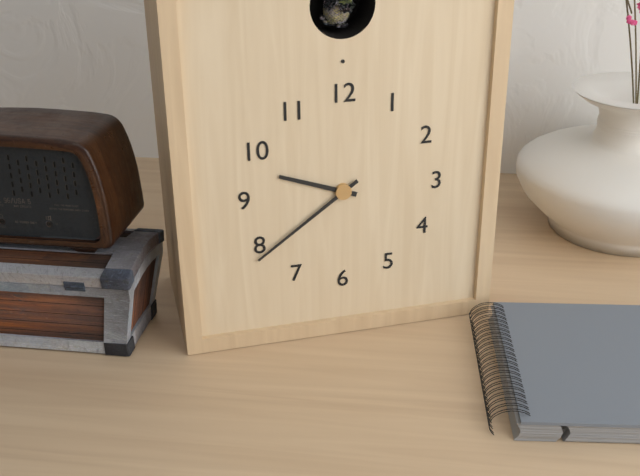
9:39
